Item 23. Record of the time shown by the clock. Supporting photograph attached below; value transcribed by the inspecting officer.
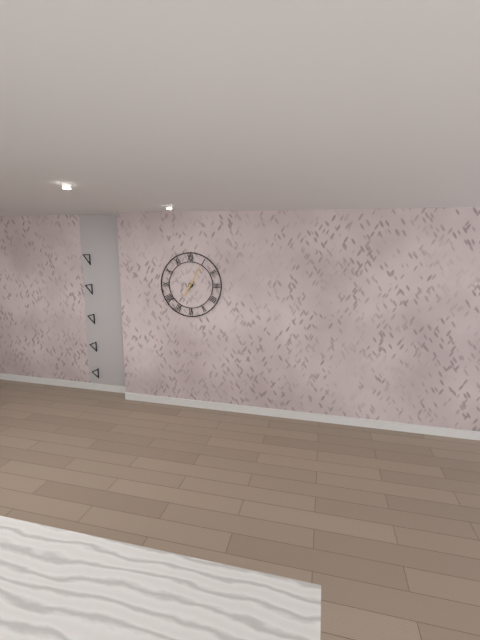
7:05
